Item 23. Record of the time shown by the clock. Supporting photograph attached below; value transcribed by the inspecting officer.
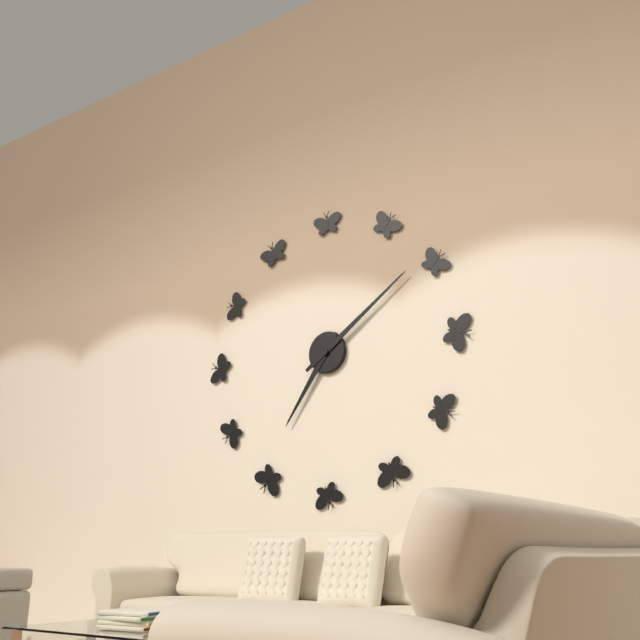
7:09
